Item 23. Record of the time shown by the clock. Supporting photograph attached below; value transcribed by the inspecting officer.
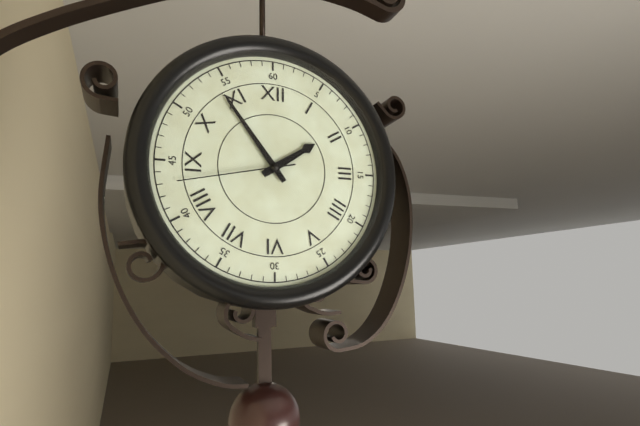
1:54:43
